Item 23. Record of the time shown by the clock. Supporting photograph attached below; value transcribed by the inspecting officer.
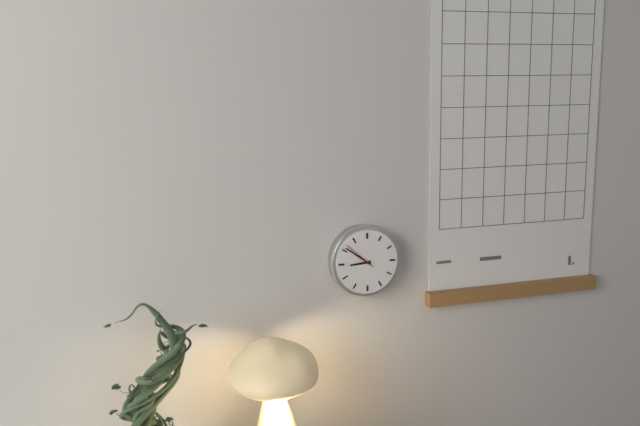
8:51
